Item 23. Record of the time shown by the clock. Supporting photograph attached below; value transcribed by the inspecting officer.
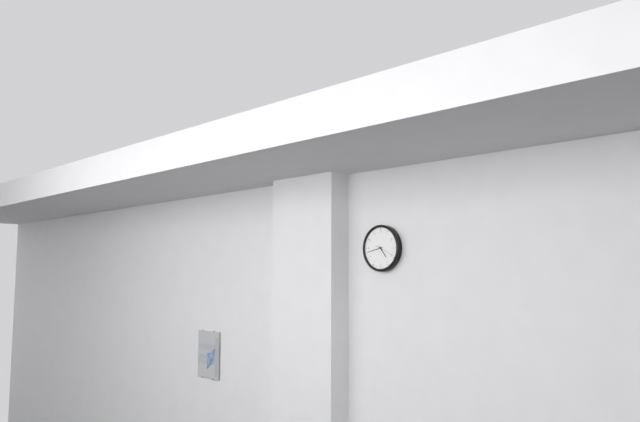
4:43
